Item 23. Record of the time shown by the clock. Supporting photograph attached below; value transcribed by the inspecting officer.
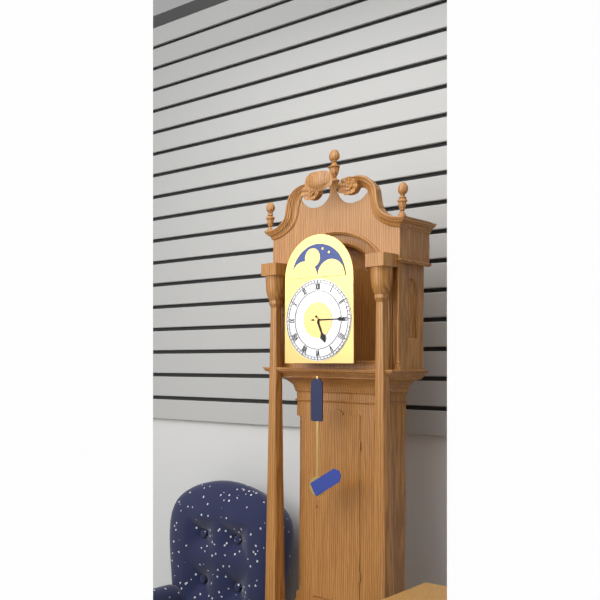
5:15
